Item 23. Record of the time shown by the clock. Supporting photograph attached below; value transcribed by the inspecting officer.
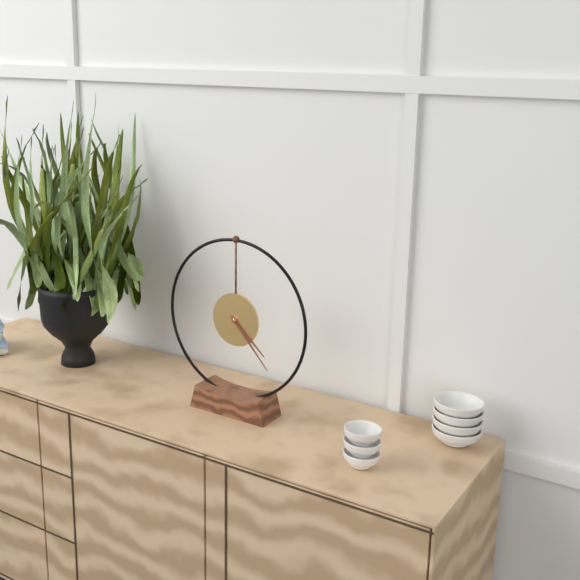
4:23
